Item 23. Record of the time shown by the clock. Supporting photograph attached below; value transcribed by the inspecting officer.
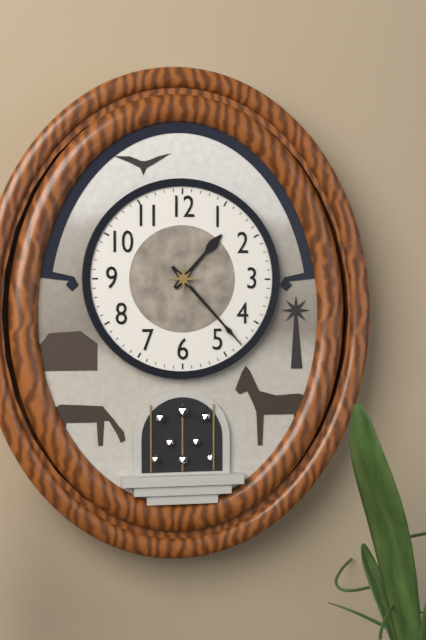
1:23
